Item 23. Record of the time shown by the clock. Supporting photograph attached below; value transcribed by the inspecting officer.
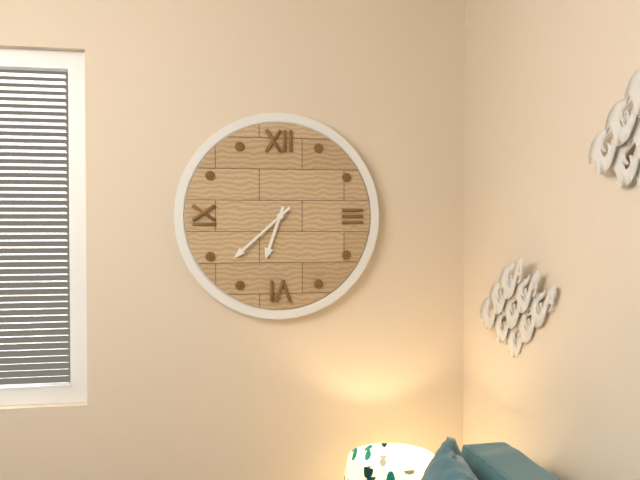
6:38
